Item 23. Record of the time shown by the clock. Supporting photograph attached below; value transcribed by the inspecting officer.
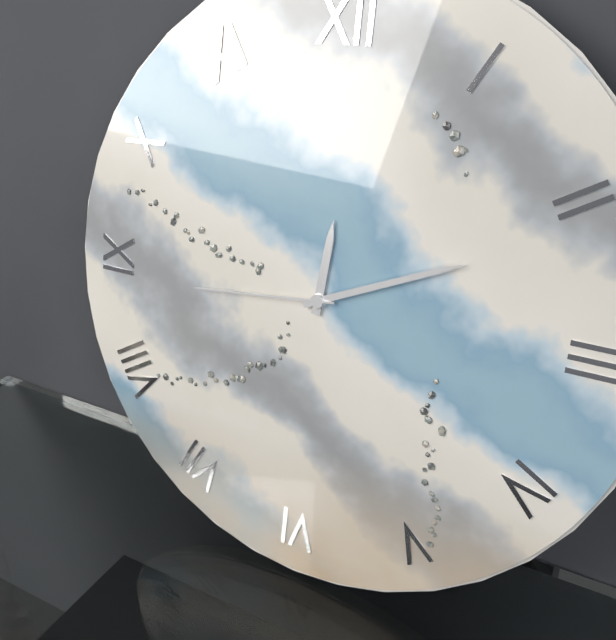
12:11:44
